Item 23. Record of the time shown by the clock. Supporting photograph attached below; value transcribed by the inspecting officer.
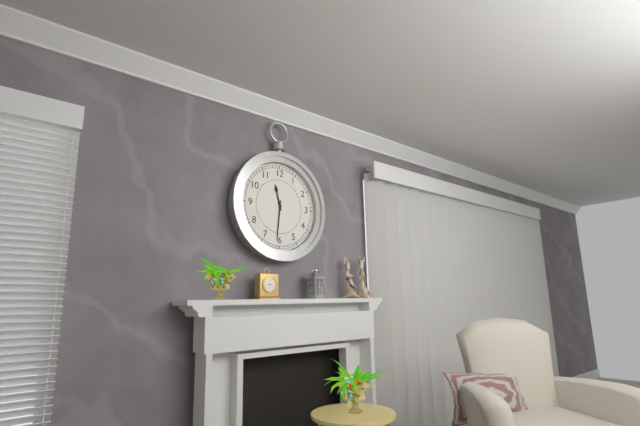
11:31
